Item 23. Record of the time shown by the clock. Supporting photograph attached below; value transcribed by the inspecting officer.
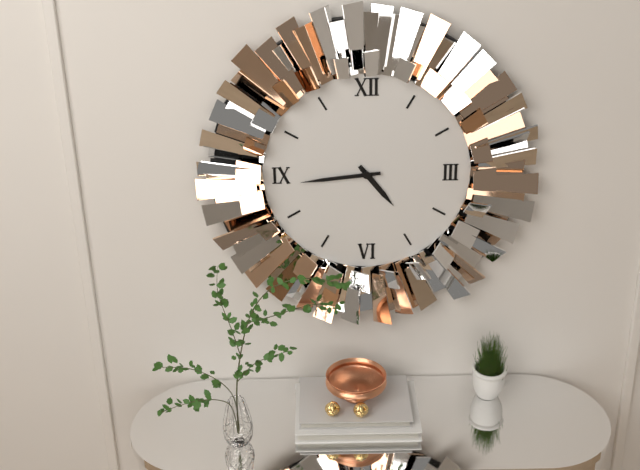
4:44
